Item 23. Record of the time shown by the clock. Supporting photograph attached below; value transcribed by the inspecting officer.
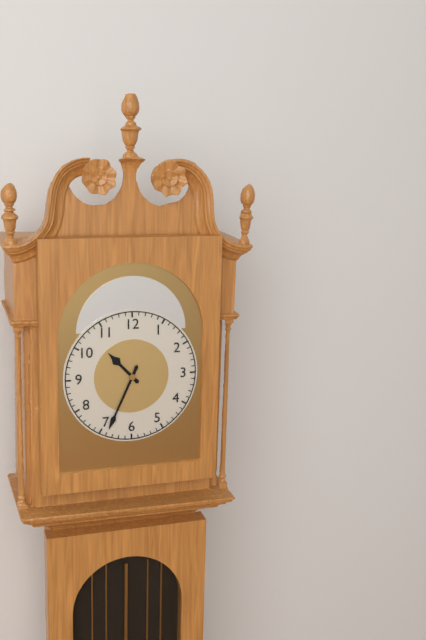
10:34
